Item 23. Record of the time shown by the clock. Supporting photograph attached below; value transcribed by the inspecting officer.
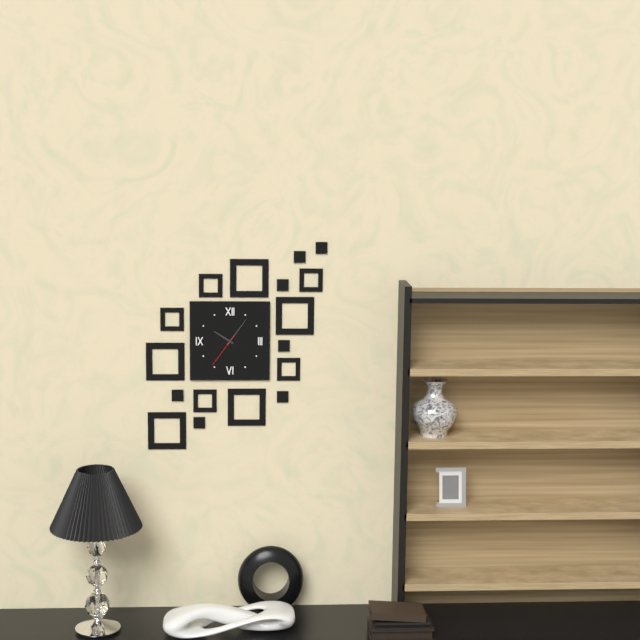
10:06
